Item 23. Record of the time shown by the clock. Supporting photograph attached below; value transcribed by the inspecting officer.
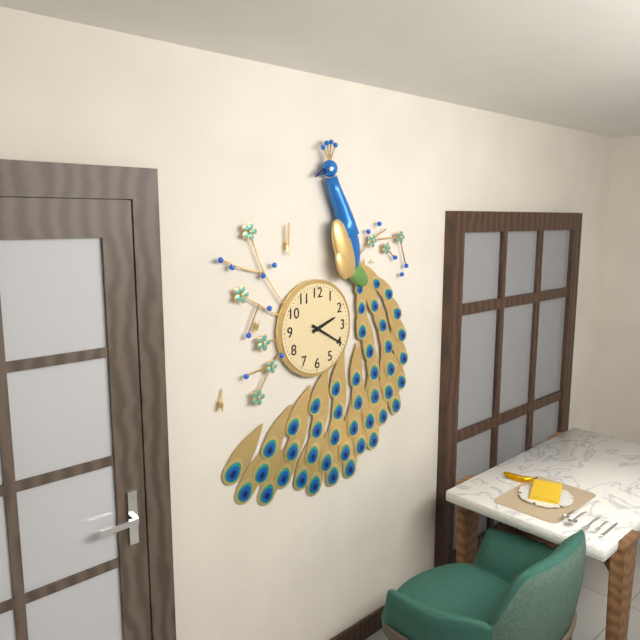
2:20
